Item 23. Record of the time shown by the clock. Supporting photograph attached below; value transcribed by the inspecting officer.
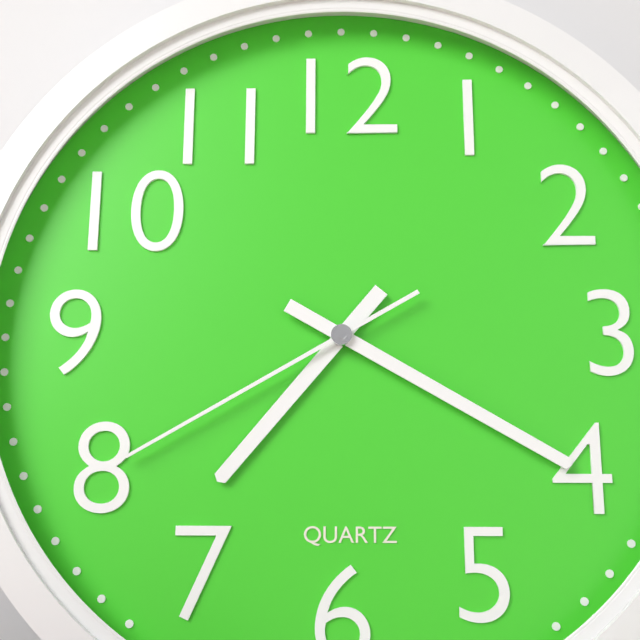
7:20:40
